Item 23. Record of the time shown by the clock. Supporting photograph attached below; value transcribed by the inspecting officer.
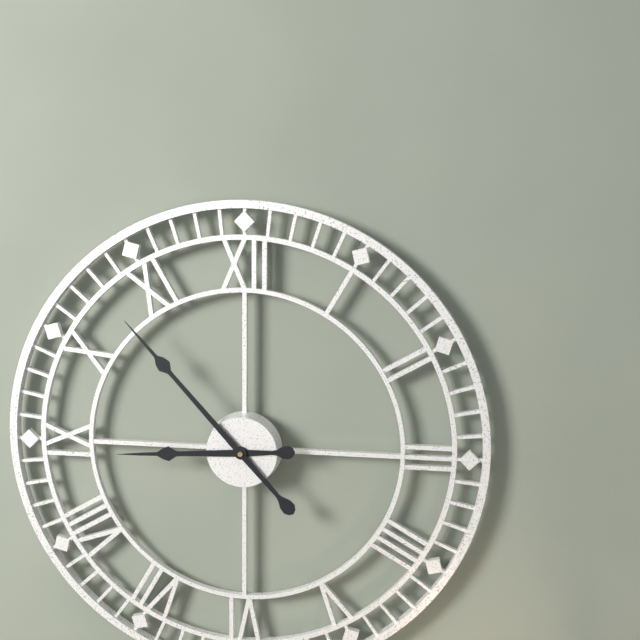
8:53
